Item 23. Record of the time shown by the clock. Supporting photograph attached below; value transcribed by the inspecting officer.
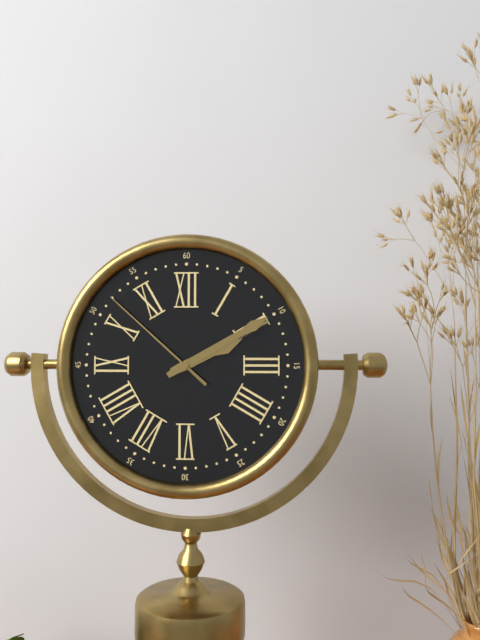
2:10:52
